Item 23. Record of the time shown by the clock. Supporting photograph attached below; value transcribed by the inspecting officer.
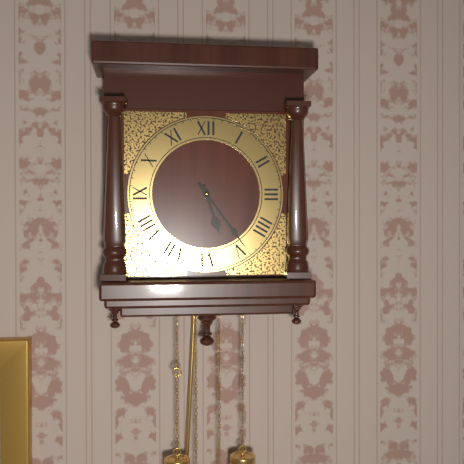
5:24
